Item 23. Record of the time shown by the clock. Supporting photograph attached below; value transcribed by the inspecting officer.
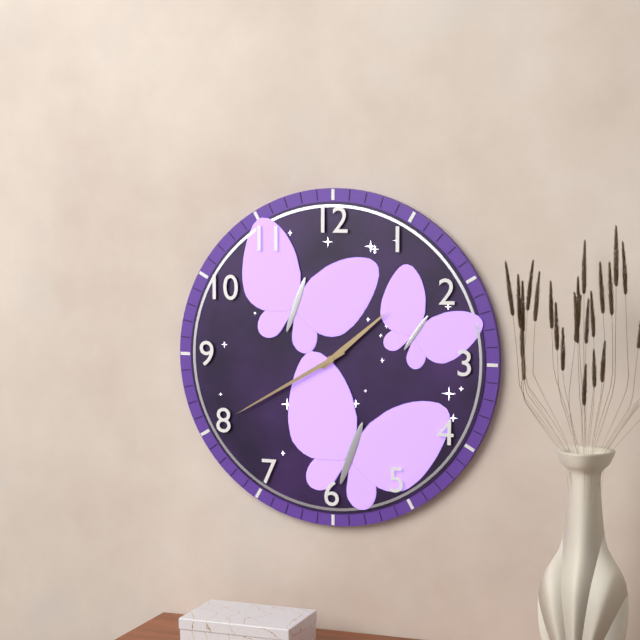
1:40
